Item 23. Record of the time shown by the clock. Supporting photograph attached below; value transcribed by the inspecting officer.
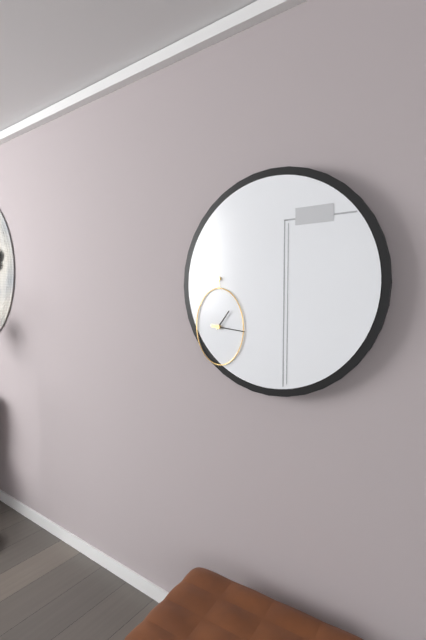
1:16
